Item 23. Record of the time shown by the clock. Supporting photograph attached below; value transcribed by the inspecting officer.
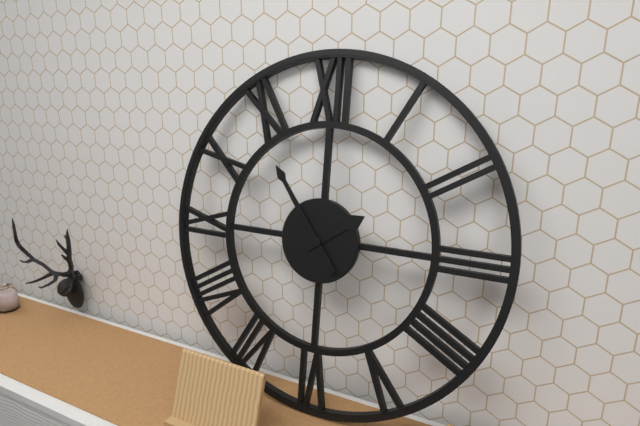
1:54
